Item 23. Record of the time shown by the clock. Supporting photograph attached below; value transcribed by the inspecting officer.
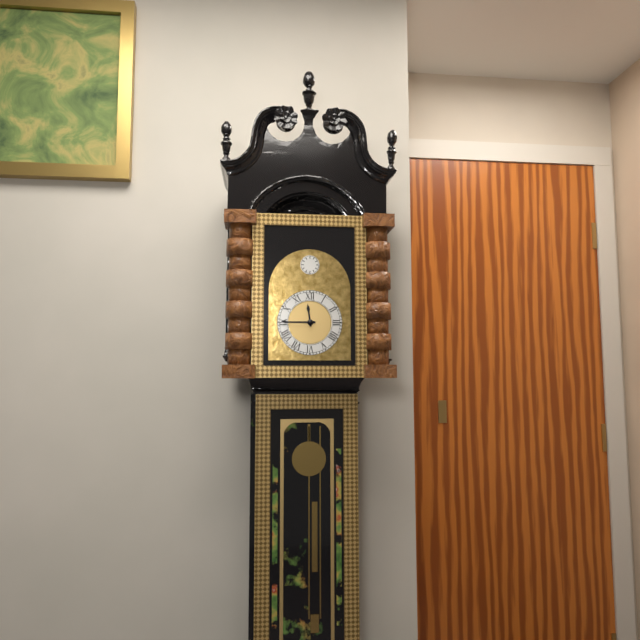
11:45
